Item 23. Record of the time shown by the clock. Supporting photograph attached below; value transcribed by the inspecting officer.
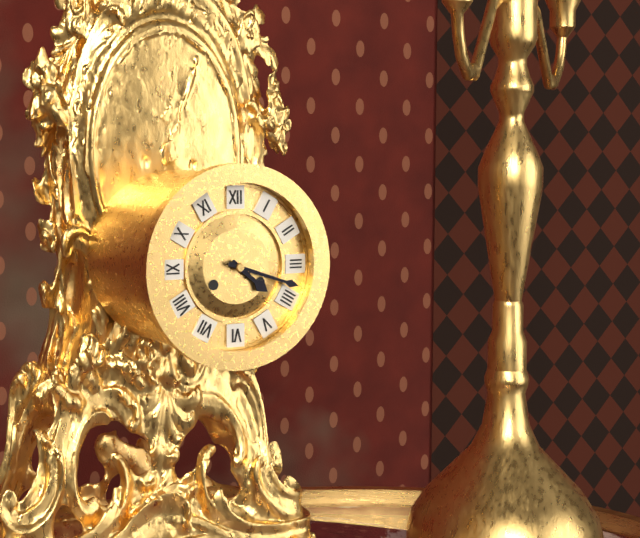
4:18
